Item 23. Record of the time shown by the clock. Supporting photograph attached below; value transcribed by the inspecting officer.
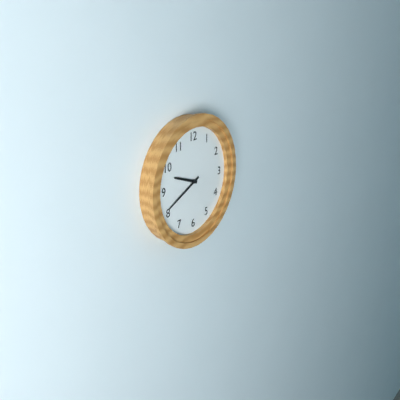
9:41
